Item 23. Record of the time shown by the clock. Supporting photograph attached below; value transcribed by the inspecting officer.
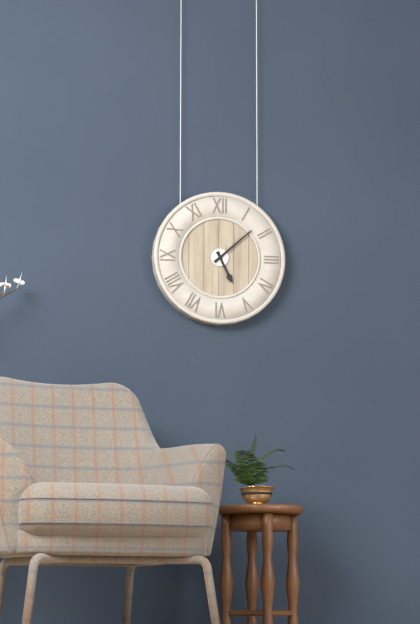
5:08
